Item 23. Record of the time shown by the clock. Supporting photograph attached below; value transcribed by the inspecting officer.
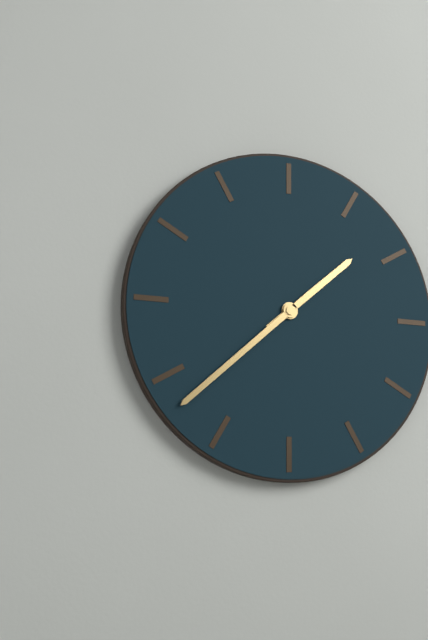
1:38
